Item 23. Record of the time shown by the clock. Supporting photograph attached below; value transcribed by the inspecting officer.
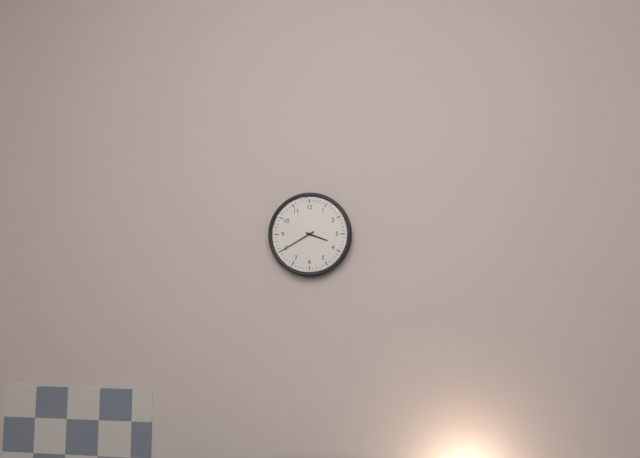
3:40
